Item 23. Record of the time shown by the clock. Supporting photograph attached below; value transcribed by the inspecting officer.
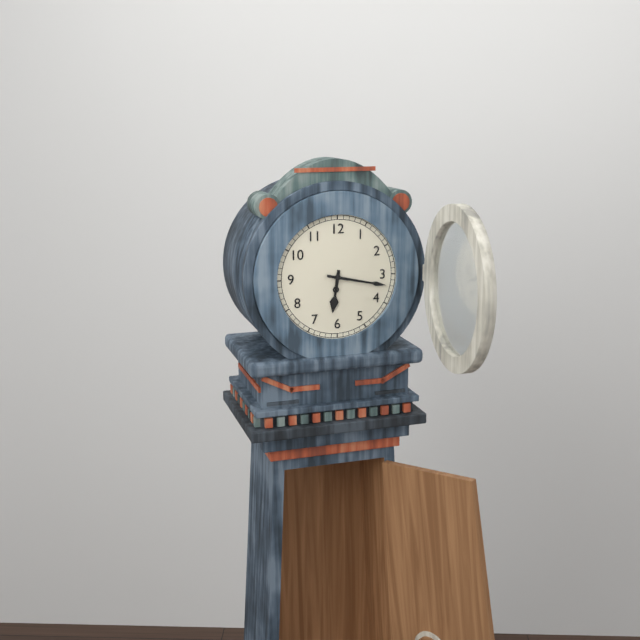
6:17
